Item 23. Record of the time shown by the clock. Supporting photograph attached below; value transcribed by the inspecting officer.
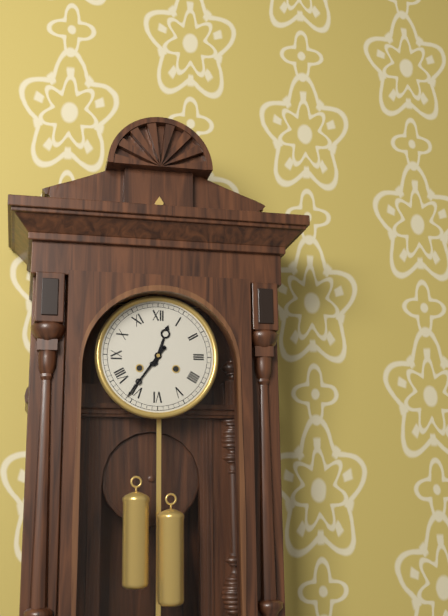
12:36
